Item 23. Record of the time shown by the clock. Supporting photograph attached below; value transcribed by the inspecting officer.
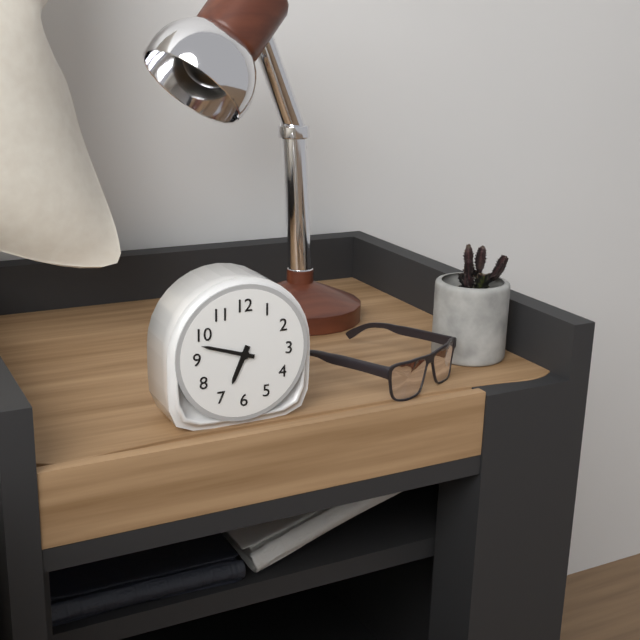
6:48
